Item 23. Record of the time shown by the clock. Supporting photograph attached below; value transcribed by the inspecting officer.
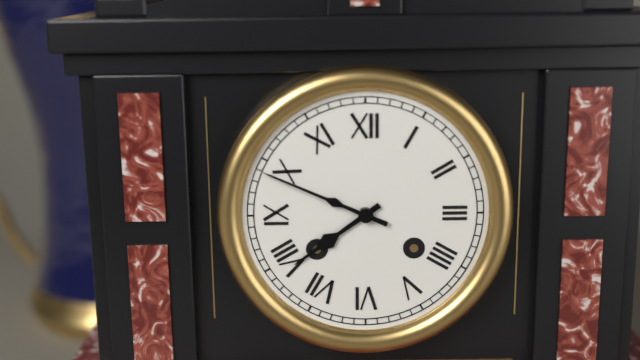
7:49
